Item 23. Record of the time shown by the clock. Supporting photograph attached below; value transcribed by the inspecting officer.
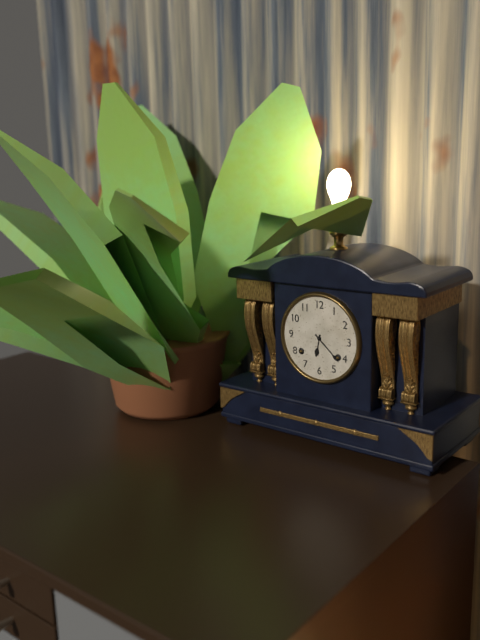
6:22
